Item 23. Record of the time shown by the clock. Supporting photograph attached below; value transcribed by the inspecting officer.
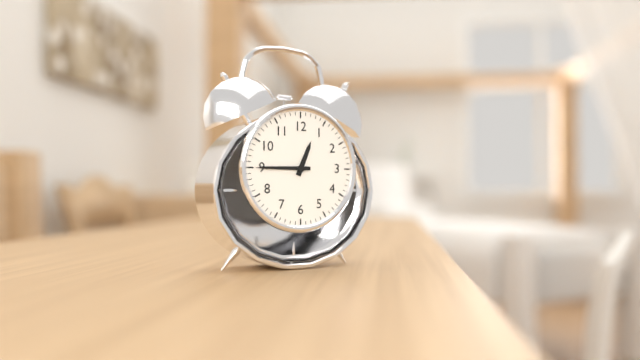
12:45
